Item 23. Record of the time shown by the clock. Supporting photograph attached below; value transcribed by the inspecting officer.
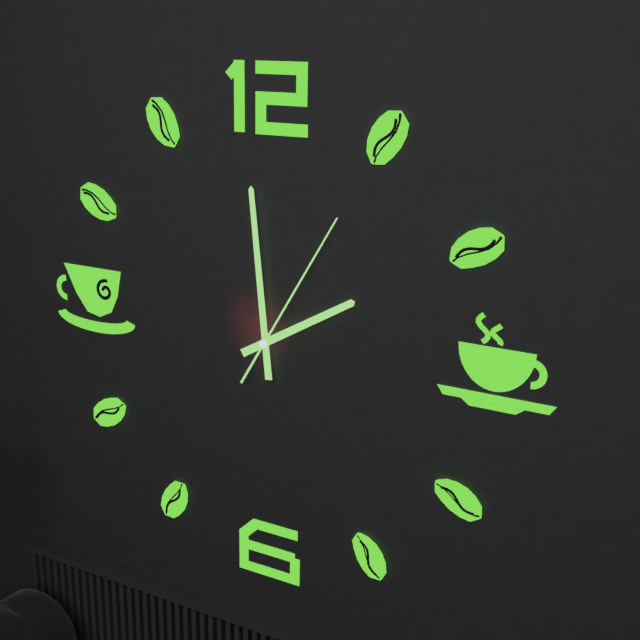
1:59:05
